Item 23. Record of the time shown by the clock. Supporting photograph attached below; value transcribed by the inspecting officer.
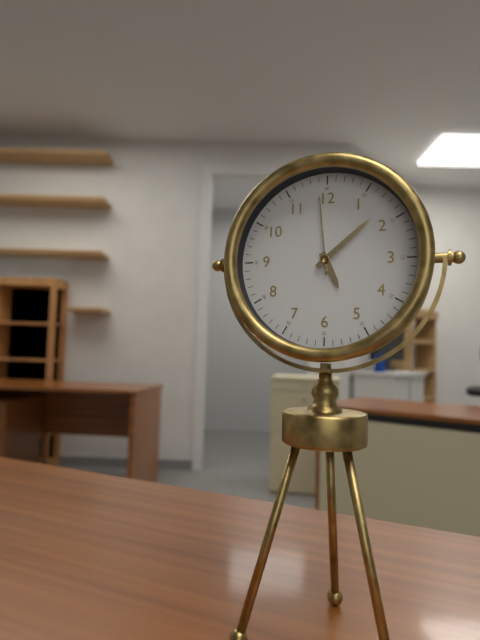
5:08:59
